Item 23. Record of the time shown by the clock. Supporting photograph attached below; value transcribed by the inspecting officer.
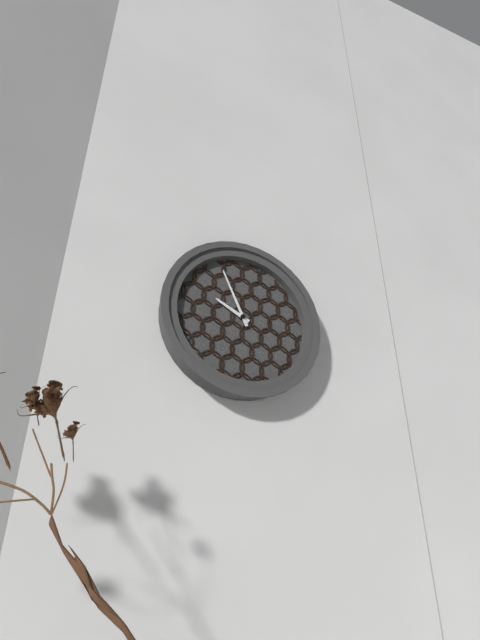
9:56
